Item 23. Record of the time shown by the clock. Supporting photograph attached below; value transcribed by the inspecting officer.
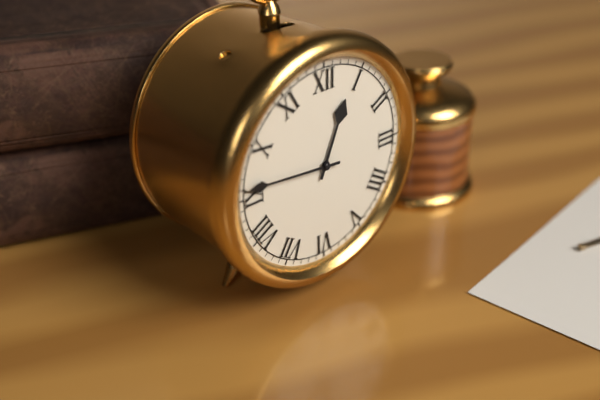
12:46
